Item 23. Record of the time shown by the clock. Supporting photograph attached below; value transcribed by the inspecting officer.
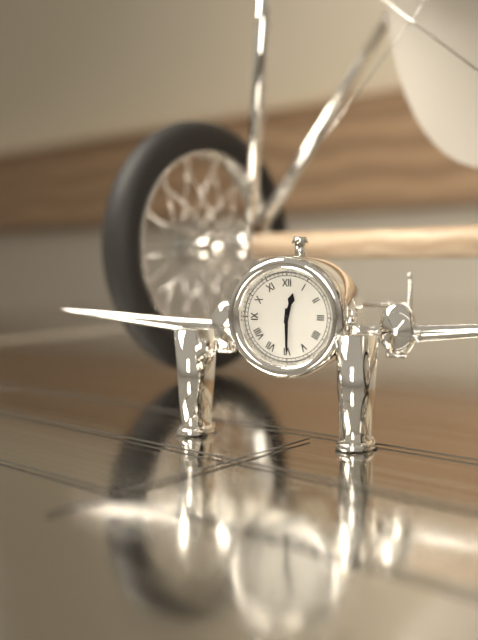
12:30
